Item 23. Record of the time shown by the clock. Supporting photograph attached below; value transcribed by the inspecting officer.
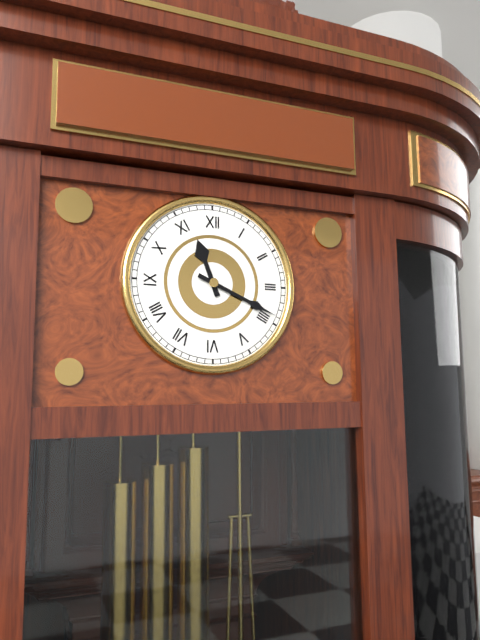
11:19
